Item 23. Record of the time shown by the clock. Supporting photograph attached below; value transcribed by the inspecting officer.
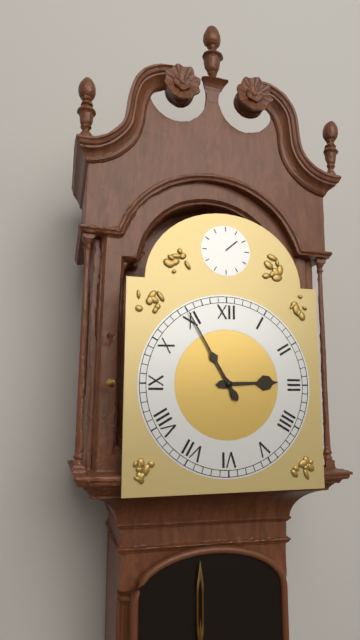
2:55
